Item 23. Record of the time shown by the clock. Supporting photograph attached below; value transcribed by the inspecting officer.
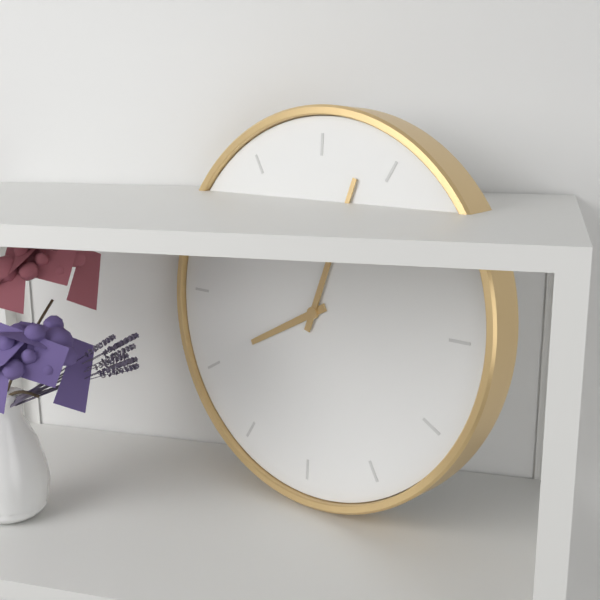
8:03
